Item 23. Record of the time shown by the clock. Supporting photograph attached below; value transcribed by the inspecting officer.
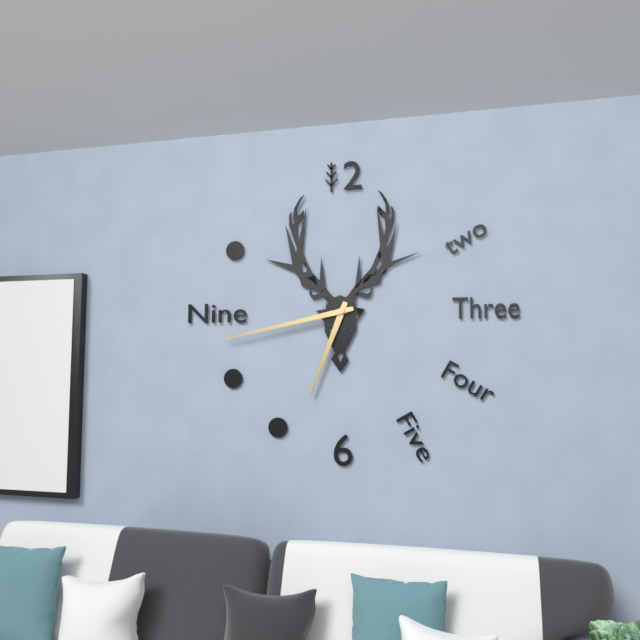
6:43
